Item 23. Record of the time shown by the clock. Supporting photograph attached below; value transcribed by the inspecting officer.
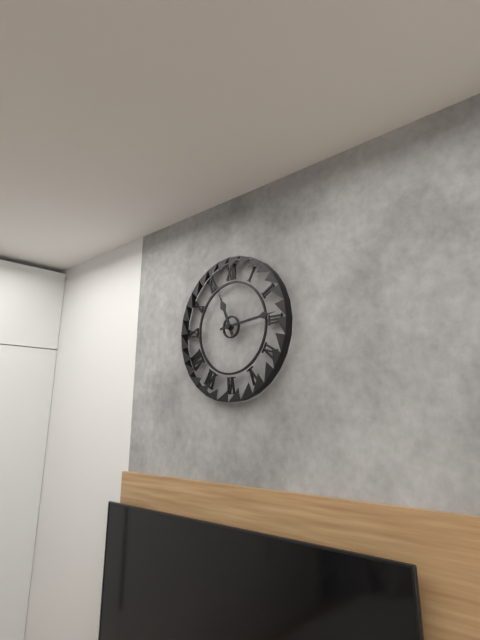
11:14
